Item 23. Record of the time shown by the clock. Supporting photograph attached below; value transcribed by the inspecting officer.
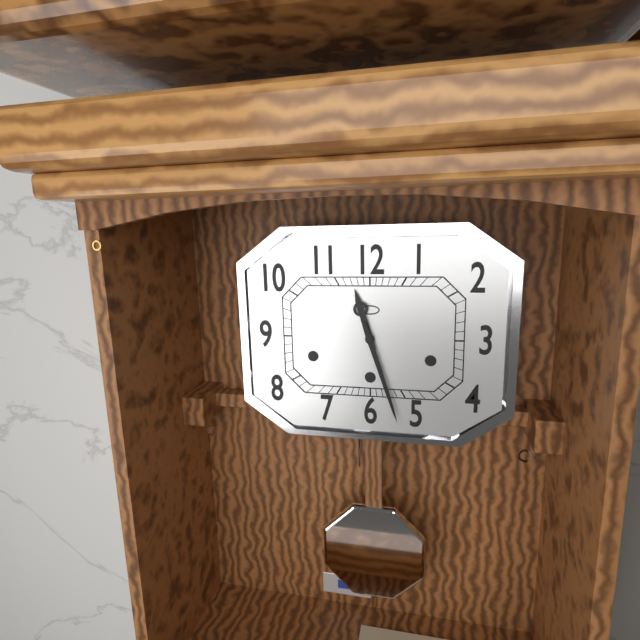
11:27
